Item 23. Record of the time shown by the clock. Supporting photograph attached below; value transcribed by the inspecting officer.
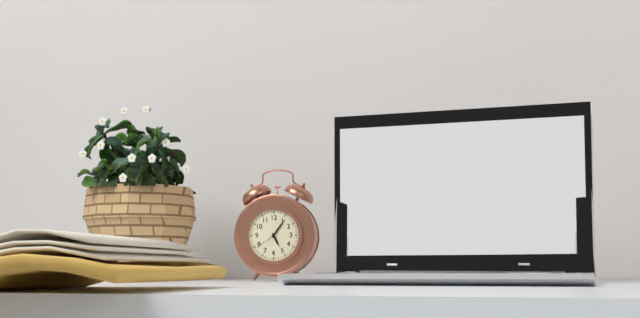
5:06
